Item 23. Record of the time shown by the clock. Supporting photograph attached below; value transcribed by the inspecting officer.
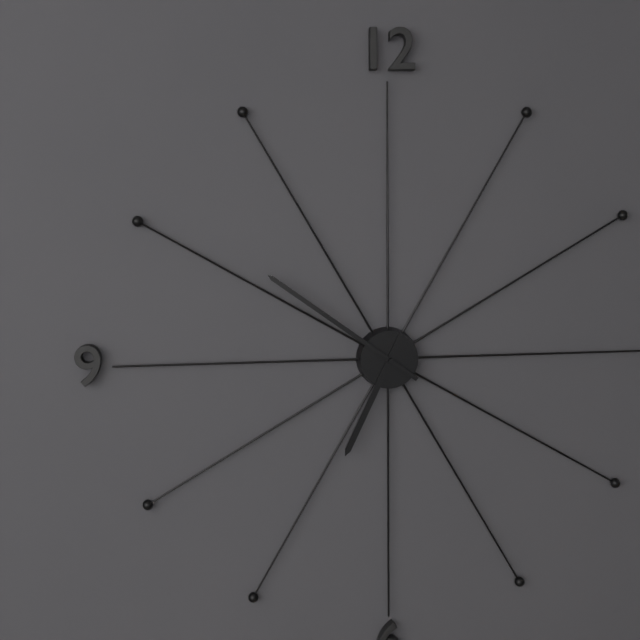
6:51
